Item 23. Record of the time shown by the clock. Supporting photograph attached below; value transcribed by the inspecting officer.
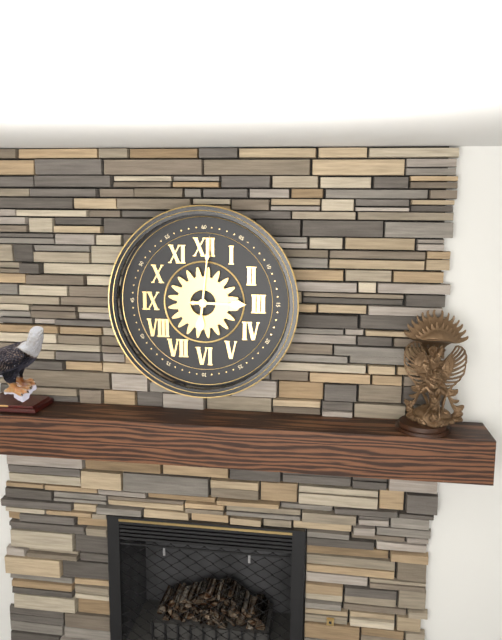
3:01
